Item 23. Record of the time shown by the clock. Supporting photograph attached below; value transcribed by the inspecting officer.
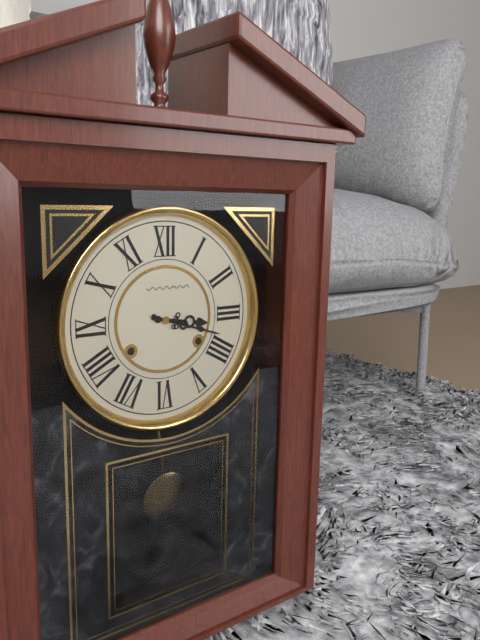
3:18
